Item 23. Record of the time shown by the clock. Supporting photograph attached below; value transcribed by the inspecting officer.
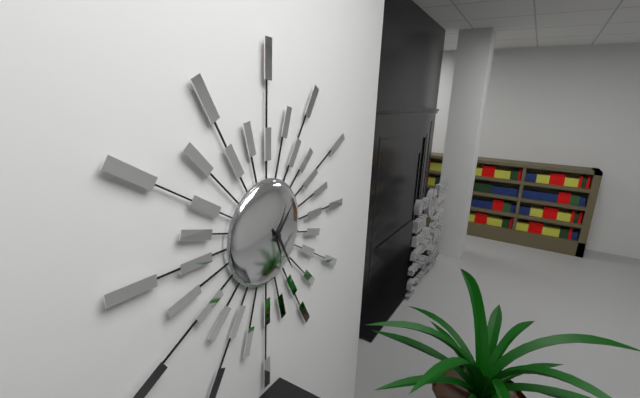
1:25
